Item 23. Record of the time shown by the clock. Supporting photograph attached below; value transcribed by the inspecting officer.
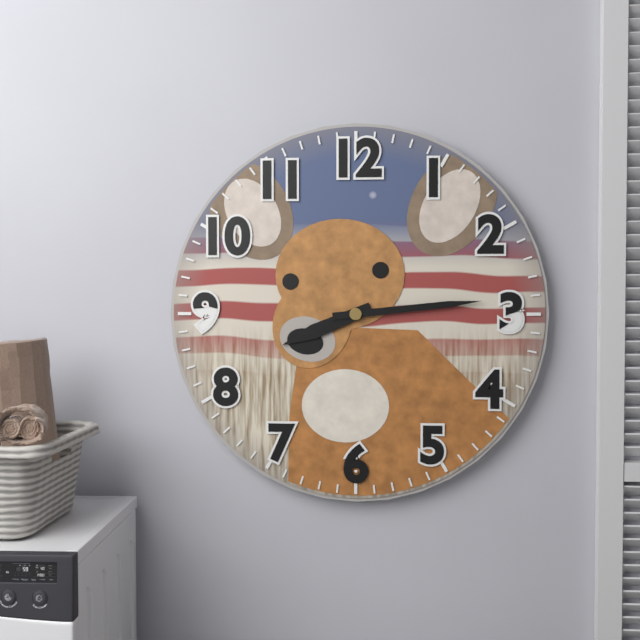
8:14
